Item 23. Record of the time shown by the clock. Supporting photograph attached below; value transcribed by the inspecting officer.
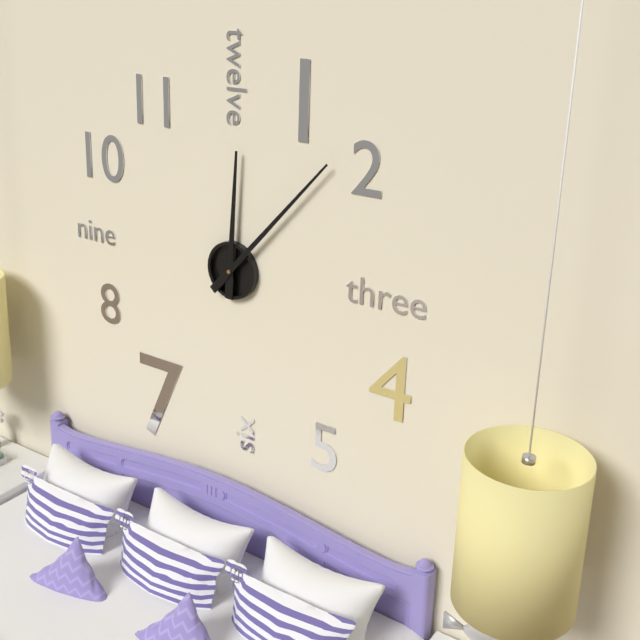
12:07
